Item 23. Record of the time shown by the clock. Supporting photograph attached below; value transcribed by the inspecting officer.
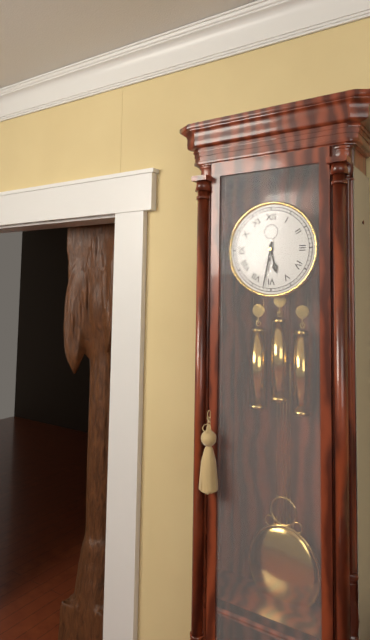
5:32
